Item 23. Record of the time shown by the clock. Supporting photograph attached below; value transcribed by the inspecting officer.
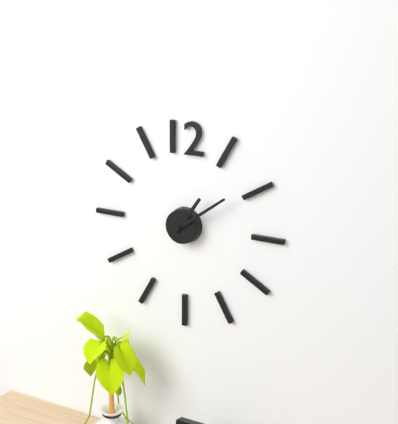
1:09
